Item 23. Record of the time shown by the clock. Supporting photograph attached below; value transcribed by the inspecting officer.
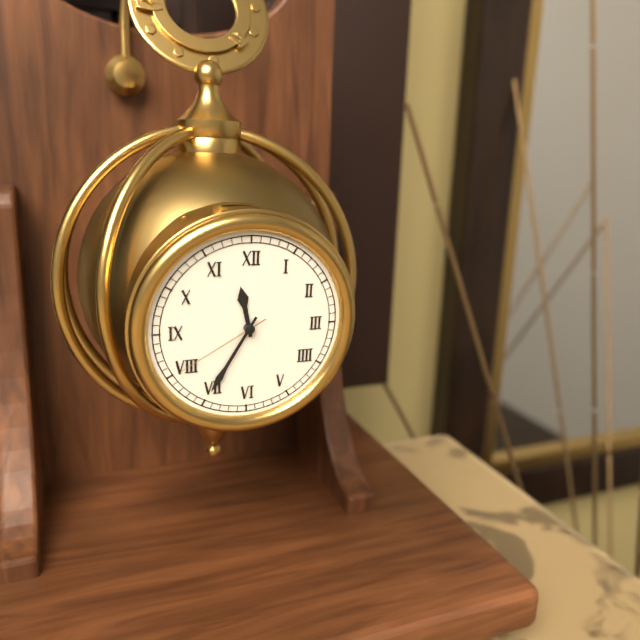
11:35:40
